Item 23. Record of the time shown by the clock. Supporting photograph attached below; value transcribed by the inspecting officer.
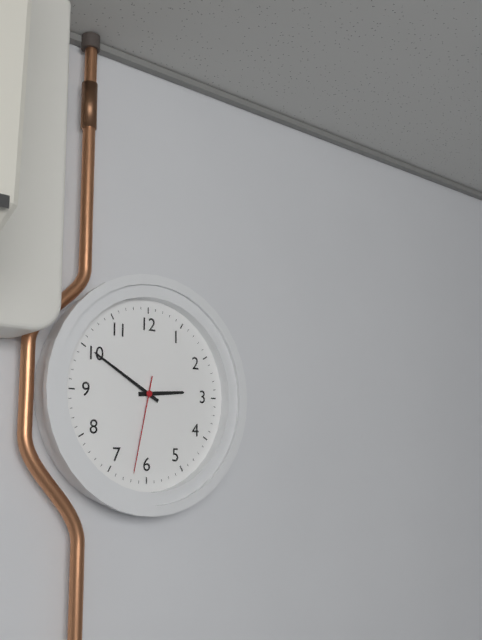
2:50:32
